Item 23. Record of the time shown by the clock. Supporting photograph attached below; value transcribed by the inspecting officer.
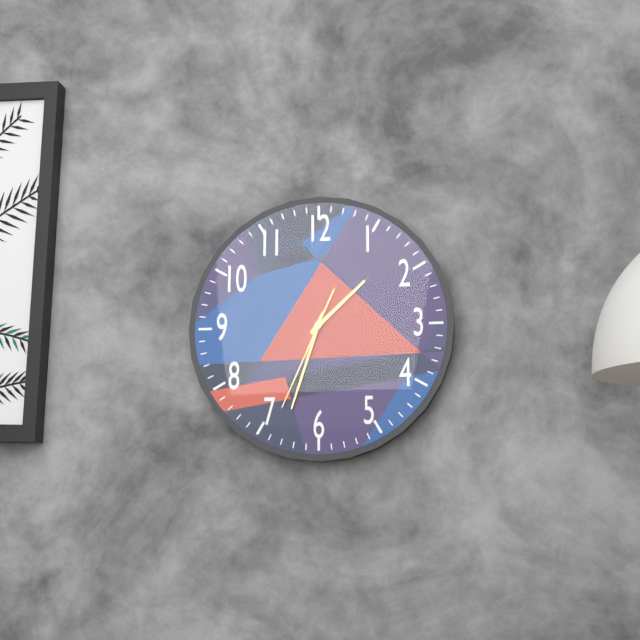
1:33:34
